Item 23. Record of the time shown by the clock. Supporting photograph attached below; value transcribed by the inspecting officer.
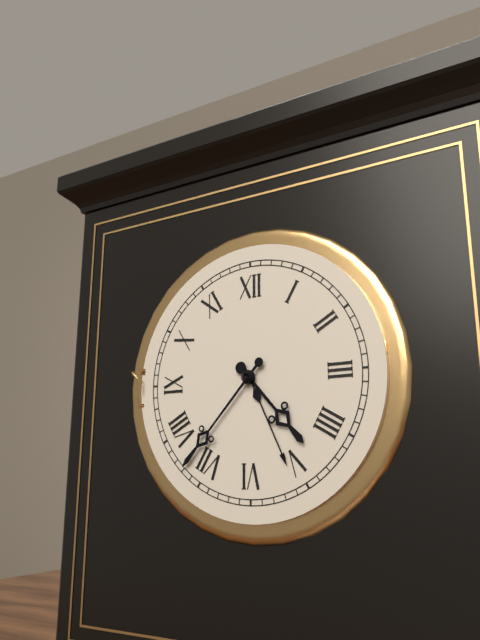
4:37
